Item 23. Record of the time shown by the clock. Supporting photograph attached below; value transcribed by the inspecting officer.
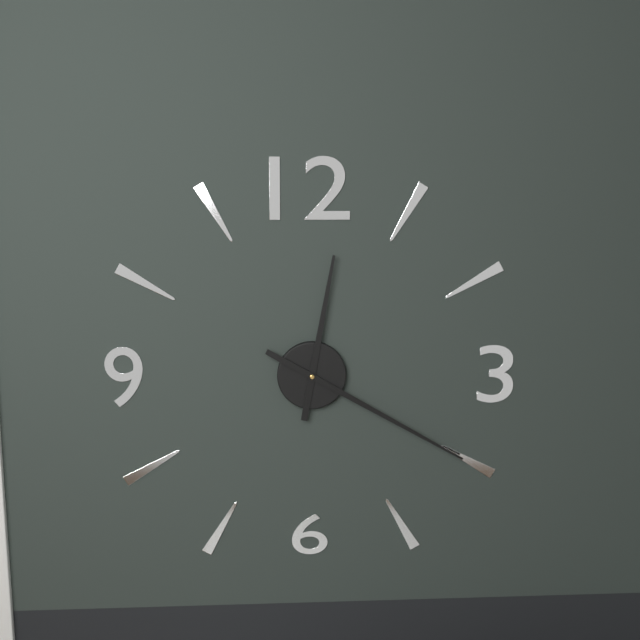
12:20
